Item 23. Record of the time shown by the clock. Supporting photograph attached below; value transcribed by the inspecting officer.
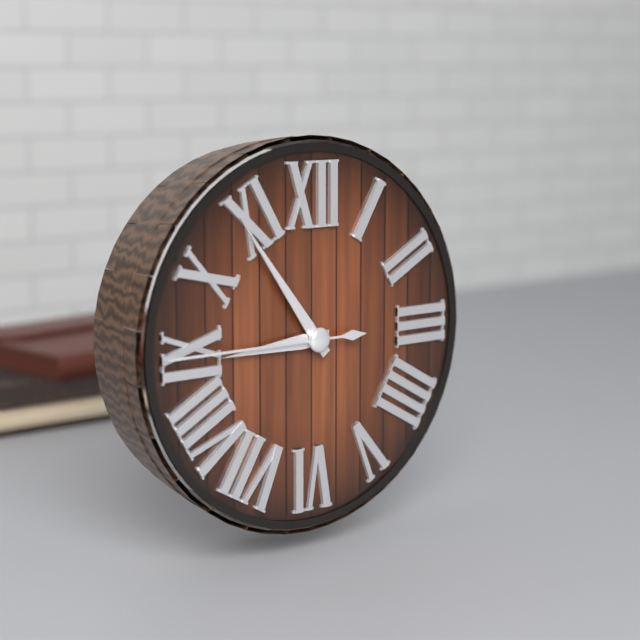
8:54:45
